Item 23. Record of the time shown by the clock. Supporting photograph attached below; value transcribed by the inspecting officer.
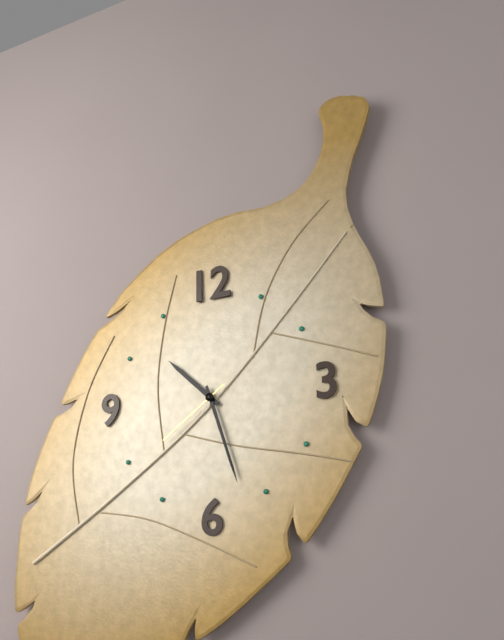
10:27:39
